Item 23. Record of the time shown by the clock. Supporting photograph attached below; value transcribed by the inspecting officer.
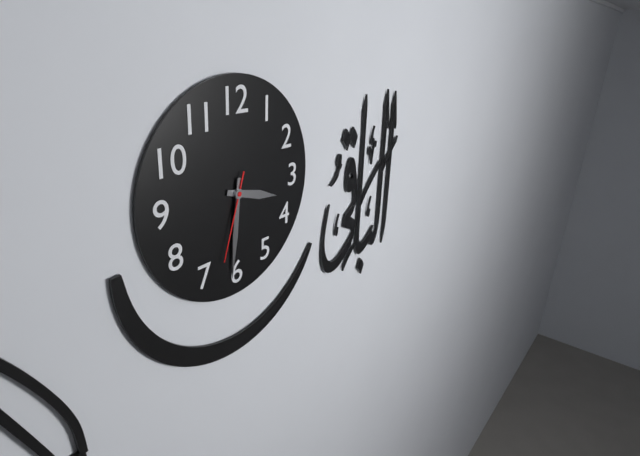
3:31:33
